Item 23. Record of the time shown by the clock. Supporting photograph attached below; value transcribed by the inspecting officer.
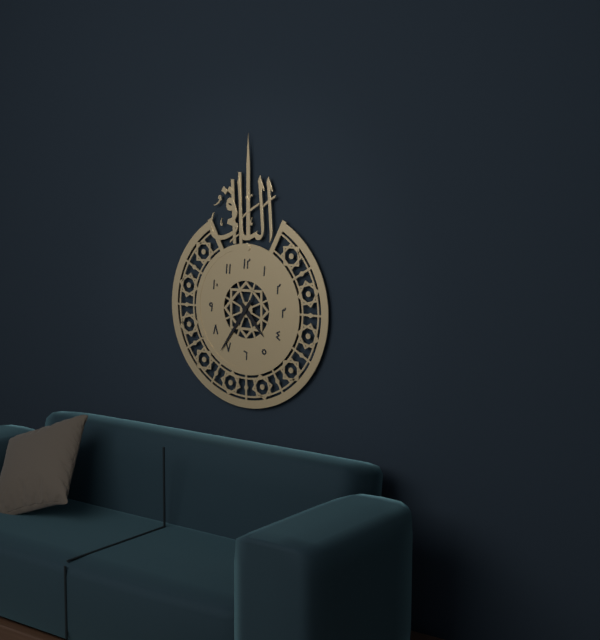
4:36
